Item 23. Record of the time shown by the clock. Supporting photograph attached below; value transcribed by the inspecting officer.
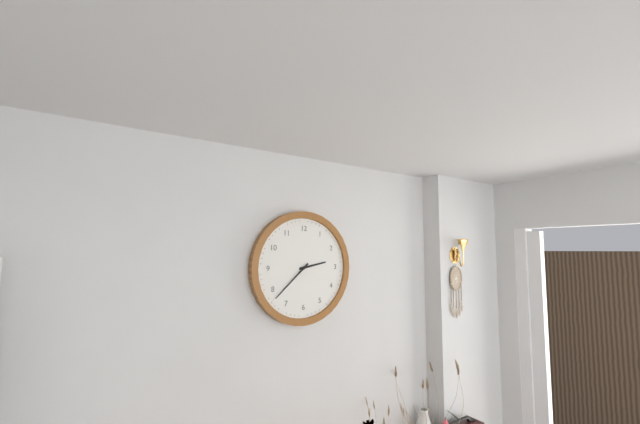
2:38
